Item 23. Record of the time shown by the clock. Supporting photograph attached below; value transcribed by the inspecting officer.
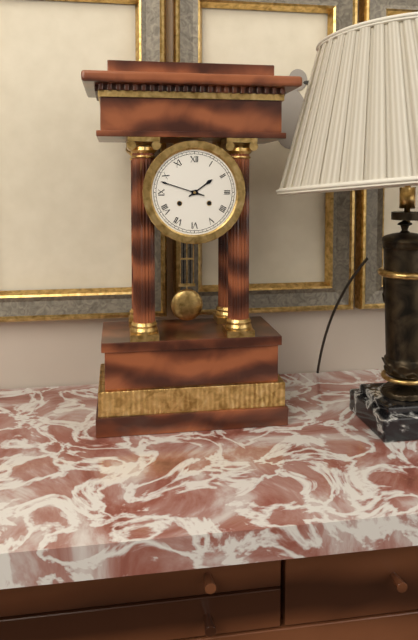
1:48
